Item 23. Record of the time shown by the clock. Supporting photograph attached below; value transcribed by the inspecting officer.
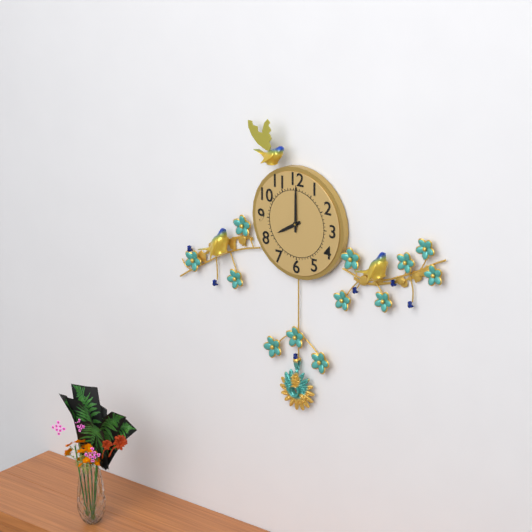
8:00
